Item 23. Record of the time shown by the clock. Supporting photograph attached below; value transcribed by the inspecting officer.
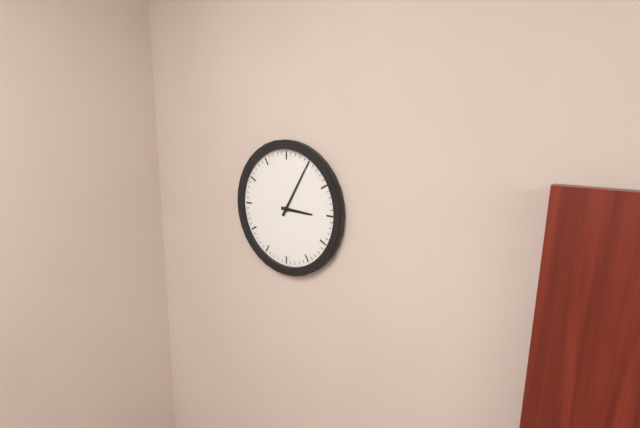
3:05
